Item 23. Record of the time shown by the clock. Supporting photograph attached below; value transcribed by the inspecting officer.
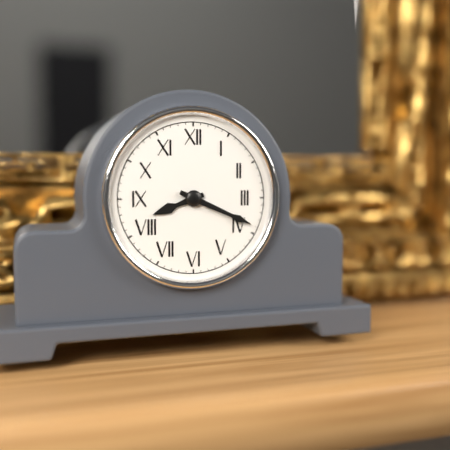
8:19
